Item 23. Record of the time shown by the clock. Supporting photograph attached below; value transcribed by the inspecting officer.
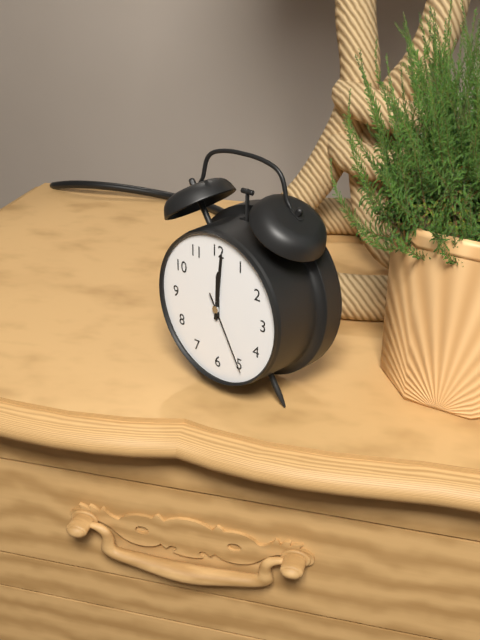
12:01:25
